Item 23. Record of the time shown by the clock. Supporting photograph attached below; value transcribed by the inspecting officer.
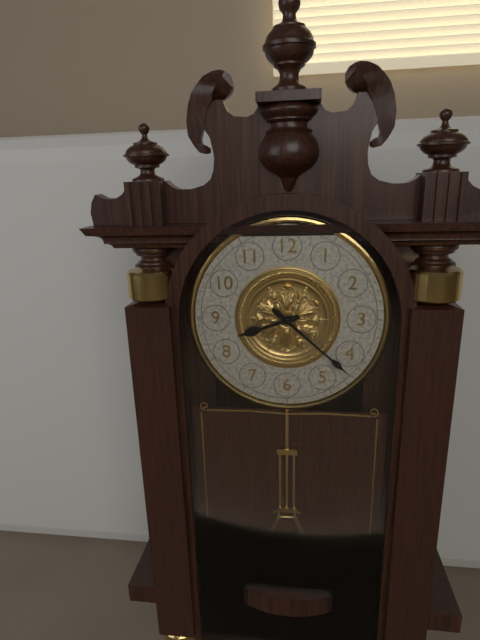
8:22
